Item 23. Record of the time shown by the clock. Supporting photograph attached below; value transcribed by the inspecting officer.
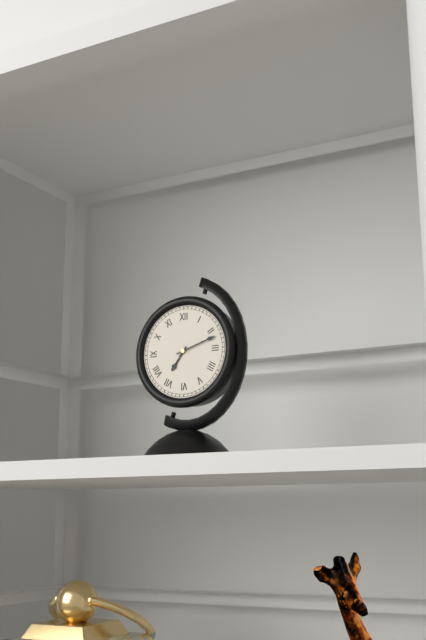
7:12
